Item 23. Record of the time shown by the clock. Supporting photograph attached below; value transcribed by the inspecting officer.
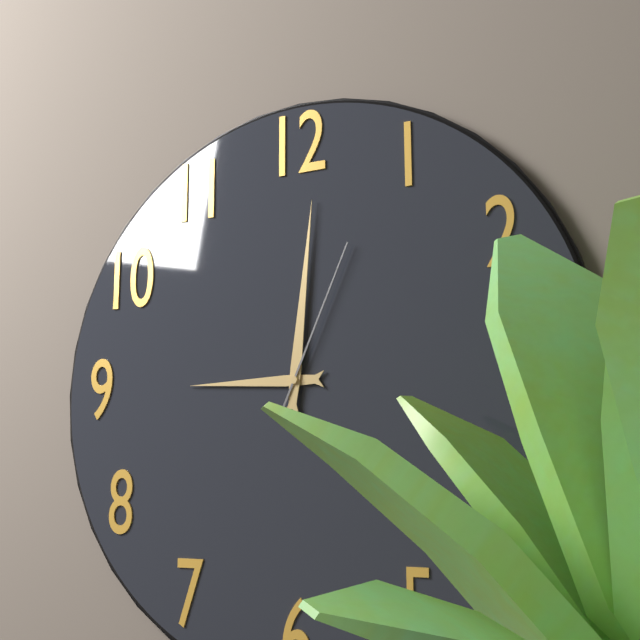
9:01:04
